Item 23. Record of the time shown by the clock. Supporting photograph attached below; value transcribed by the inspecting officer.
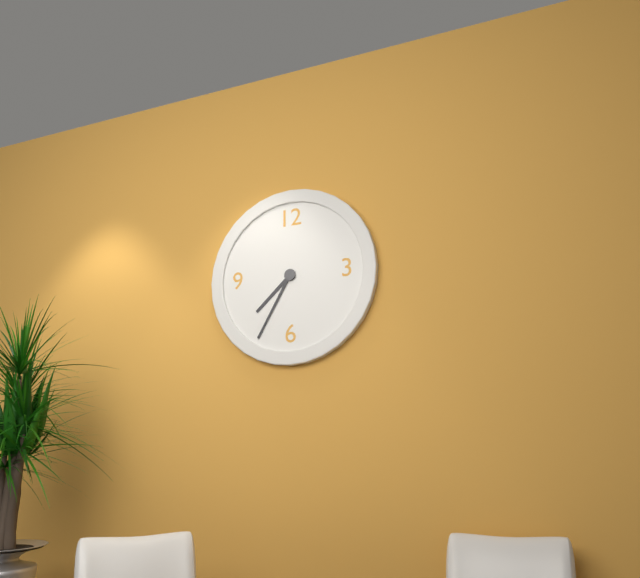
7:35
